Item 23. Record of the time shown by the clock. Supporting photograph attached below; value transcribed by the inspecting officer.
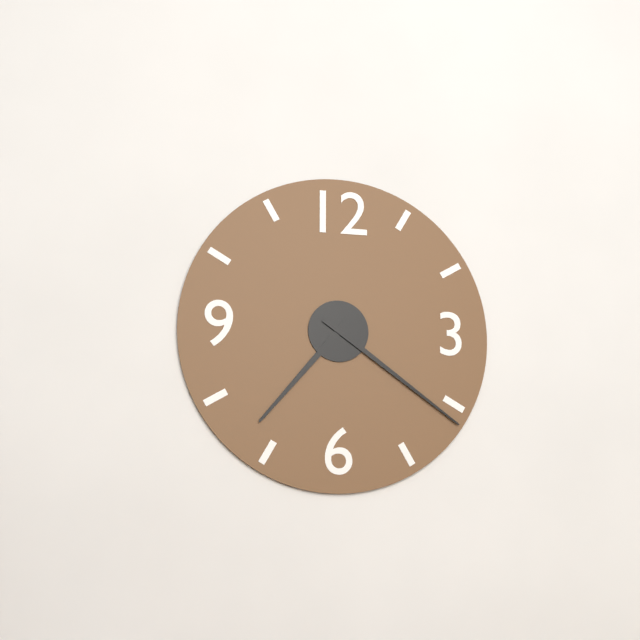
7:21
